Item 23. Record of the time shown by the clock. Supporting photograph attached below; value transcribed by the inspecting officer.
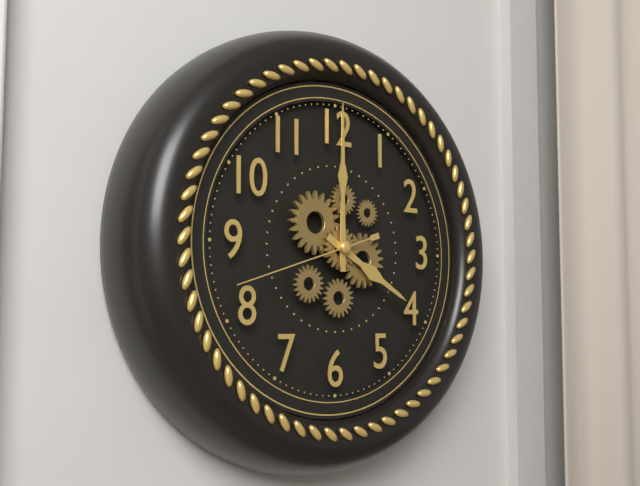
4:00:42
